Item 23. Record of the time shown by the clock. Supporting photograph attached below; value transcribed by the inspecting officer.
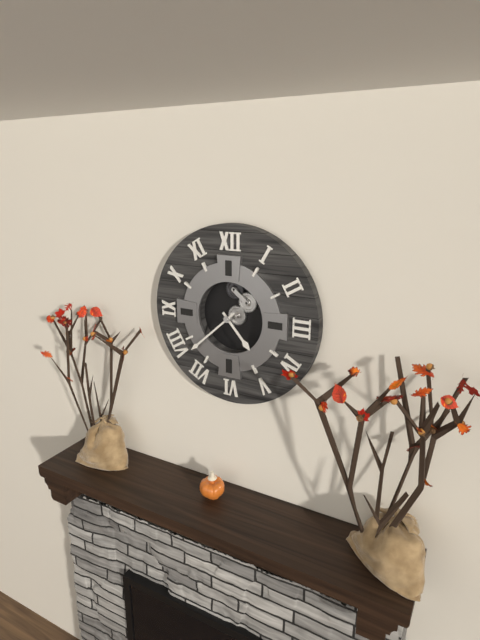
4:38
